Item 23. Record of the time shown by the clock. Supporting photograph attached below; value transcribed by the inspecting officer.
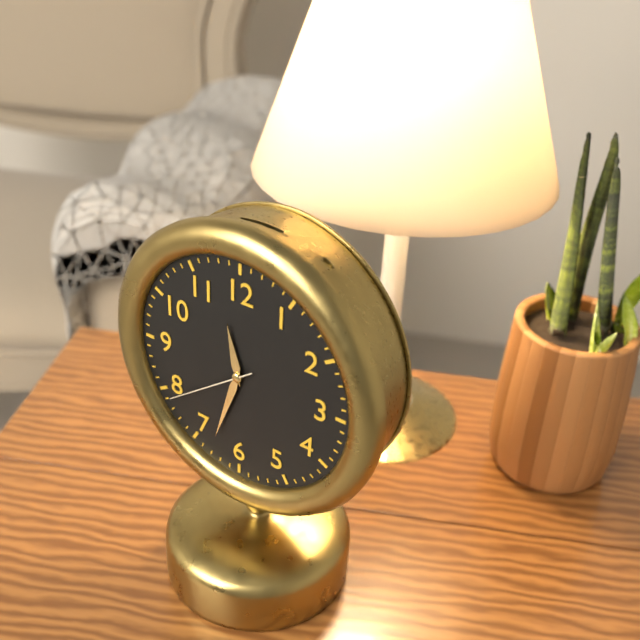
11:33:39
